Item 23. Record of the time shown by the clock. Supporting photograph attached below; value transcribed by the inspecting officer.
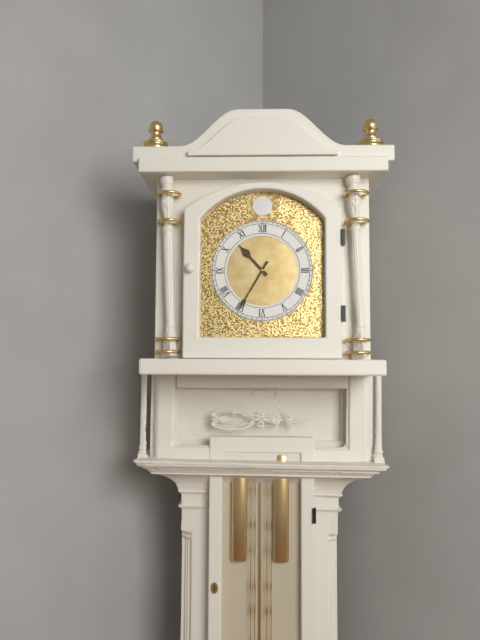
10:35
